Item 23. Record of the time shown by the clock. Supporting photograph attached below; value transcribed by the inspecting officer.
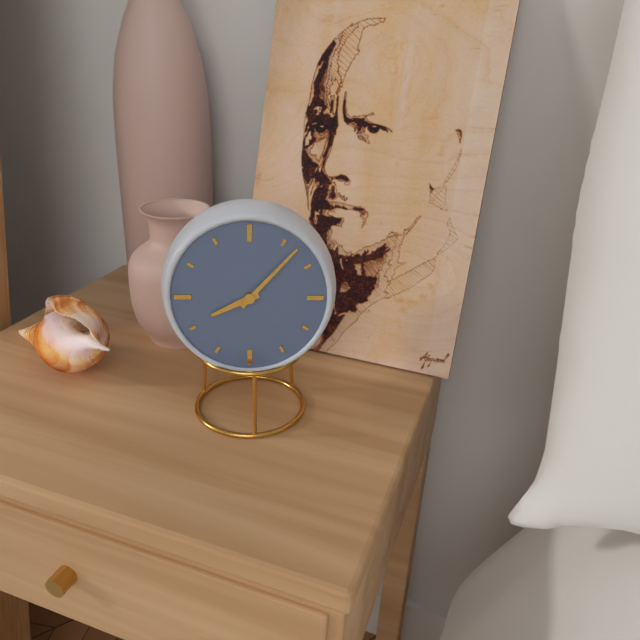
8:07
